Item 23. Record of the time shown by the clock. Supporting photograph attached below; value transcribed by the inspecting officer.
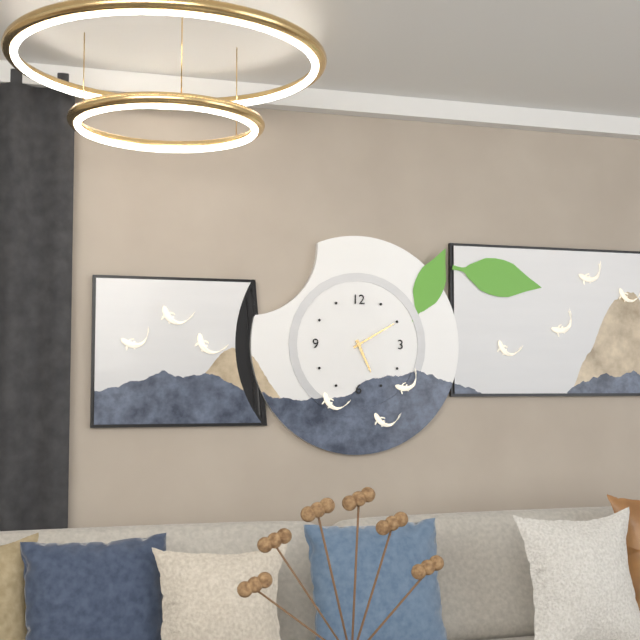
5:10
